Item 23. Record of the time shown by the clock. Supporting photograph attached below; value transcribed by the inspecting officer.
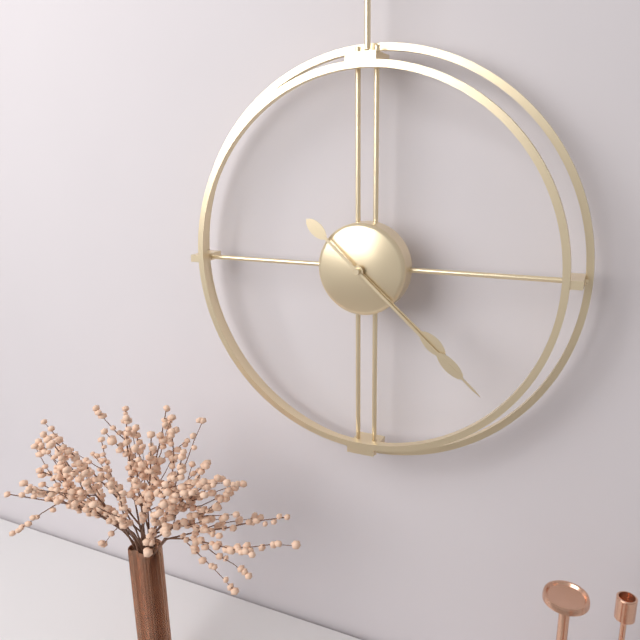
4:22
